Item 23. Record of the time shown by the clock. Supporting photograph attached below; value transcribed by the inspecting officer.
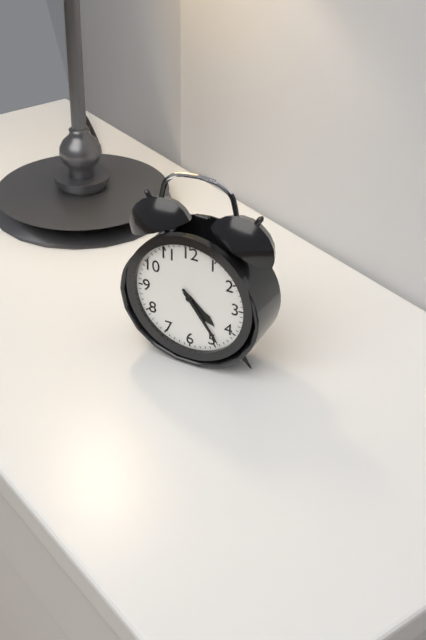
4:24
